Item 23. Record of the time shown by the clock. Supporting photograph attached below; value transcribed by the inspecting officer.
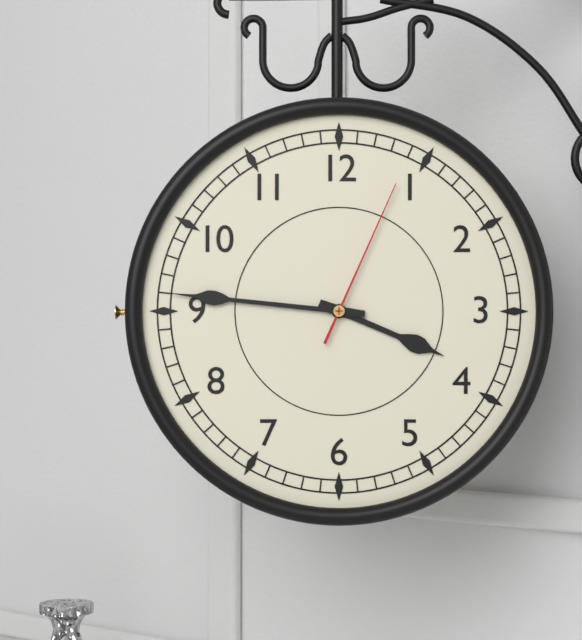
3:46:04
